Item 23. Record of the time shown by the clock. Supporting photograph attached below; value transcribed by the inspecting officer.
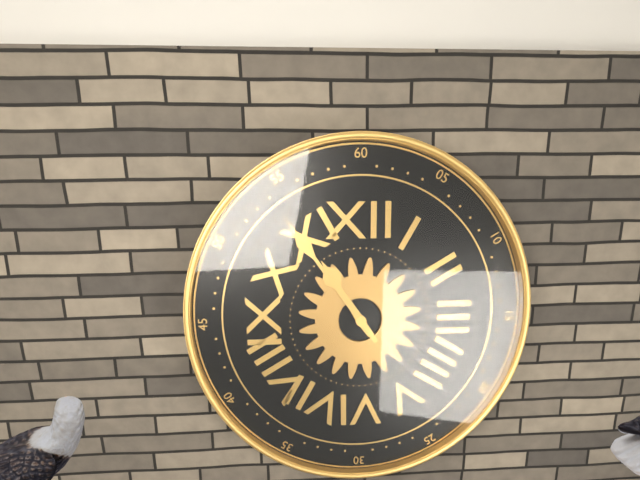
10:54
